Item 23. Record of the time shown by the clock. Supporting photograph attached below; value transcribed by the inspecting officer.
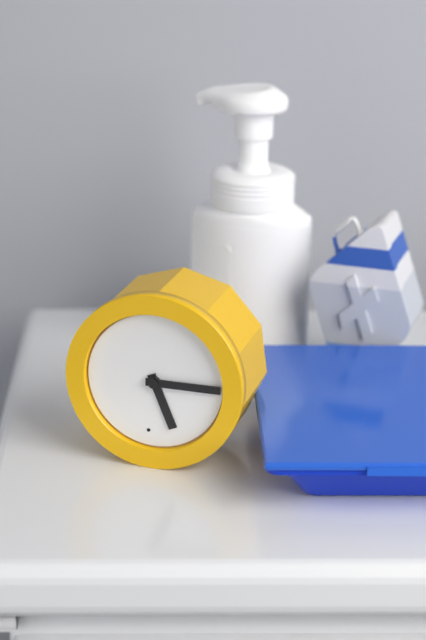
5:15
